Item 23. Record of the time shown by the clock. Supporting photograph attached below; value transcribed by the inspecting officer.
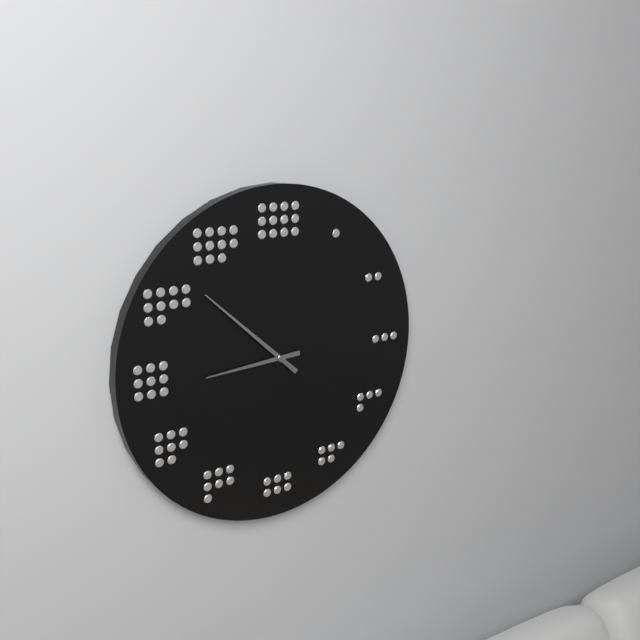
8:52
